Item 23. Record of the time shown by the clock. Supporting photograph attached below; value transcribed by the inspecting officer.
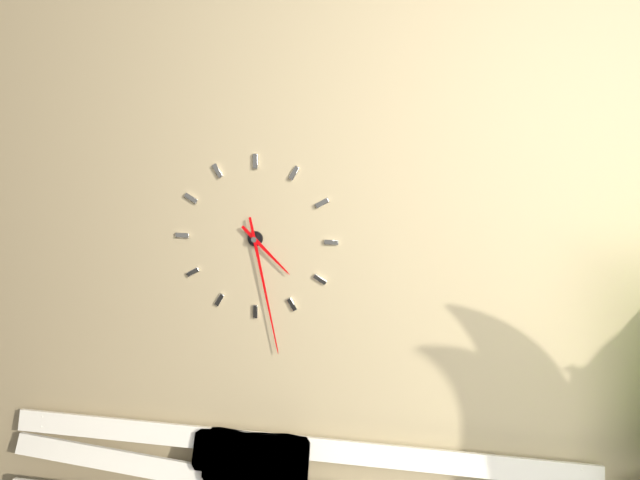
4:28
